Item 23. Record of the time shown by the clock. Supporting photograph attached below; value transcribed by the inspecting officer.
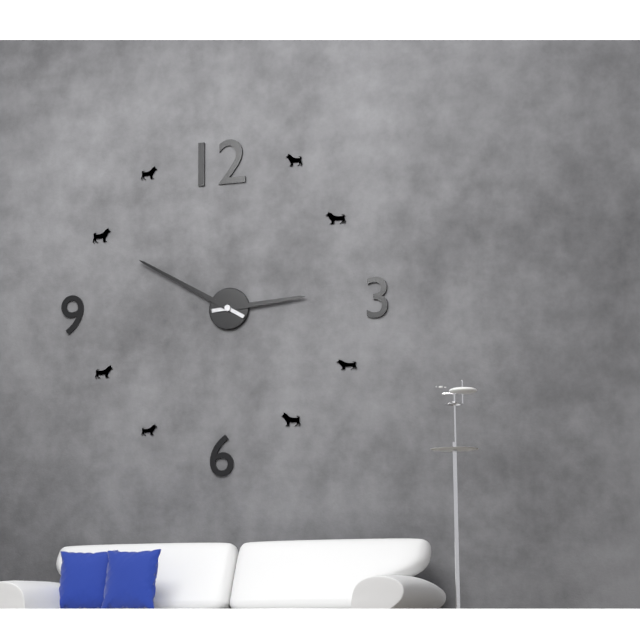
2:50
